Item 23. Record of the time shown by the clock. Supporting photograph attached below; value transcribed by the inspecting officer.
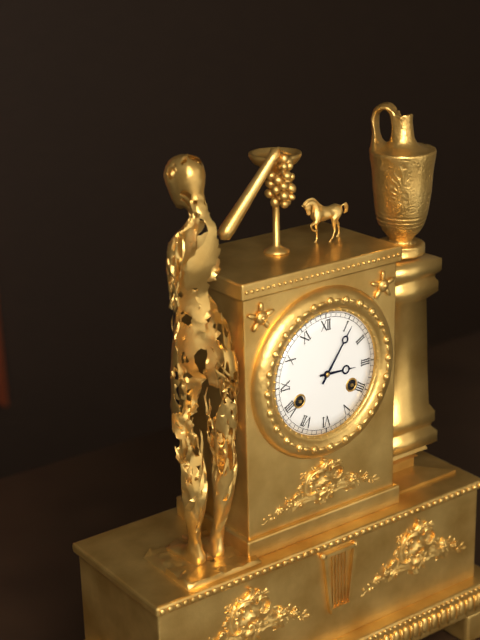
3:06
